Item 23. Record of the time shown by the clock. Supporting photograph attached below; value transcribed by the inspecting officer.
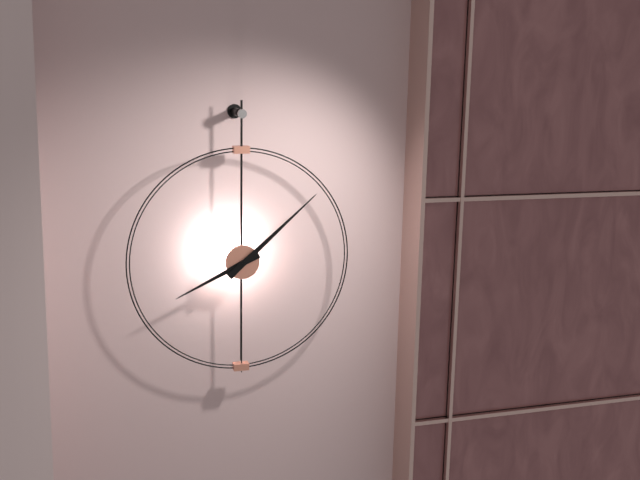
8:08
